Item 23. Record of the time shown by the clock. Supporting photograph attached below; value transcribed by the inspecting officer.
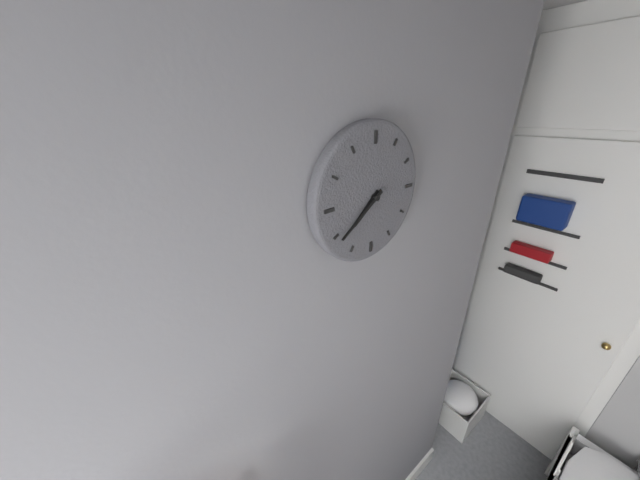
7:39
